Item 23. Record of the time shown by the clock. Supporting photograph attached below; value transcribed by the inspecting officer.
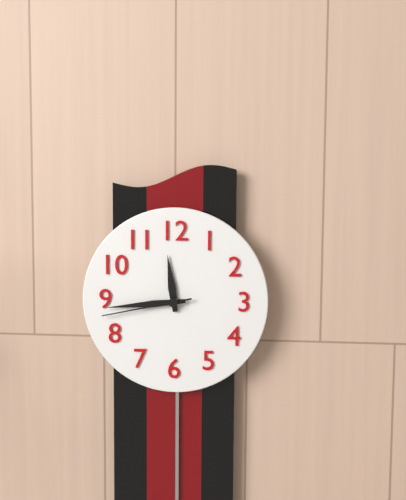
11:44:43
